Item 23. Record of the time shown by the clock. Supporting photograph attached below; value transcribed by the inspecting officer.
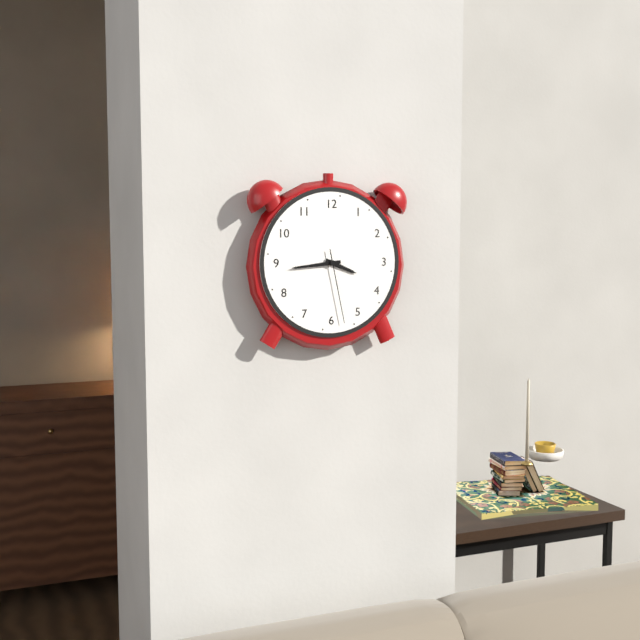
3:44:28
